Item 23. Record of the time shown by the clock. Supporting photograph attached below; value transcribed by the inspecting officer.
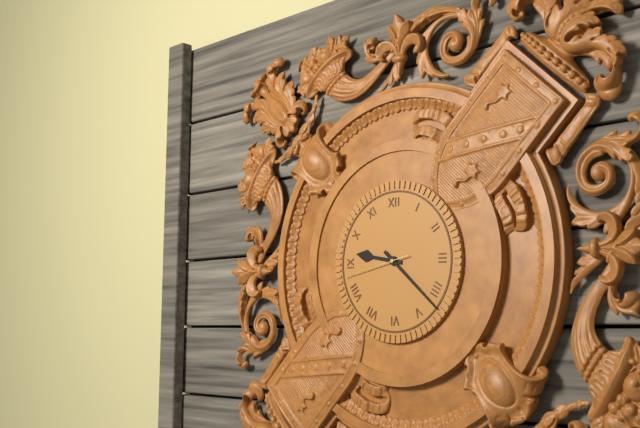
9:22:43
